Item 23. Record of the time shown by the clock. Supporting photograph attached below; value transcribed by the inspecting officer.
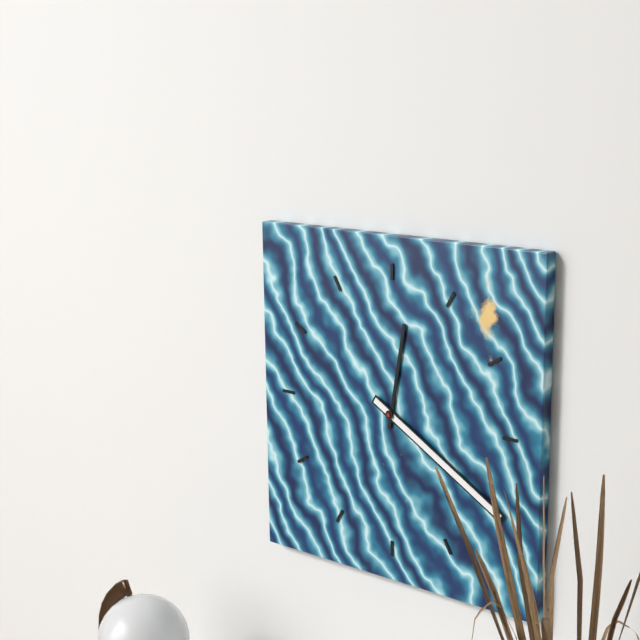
12:20
